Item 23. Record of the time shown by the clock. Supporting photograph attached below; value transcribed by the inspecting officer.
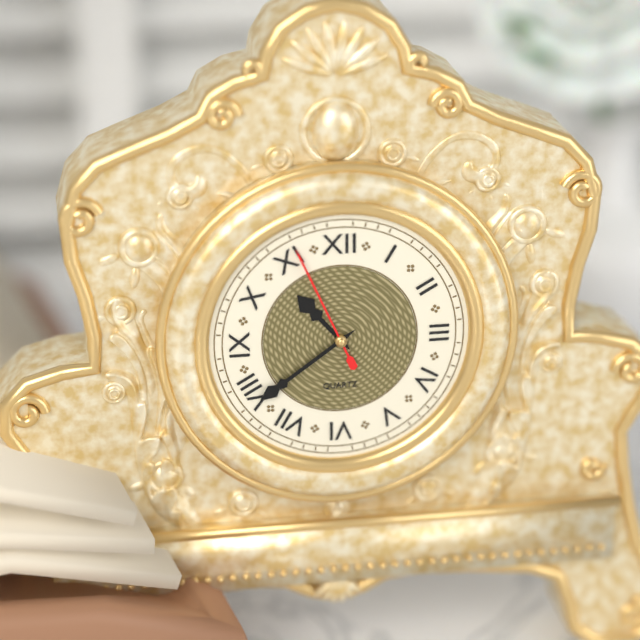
10:39:56
